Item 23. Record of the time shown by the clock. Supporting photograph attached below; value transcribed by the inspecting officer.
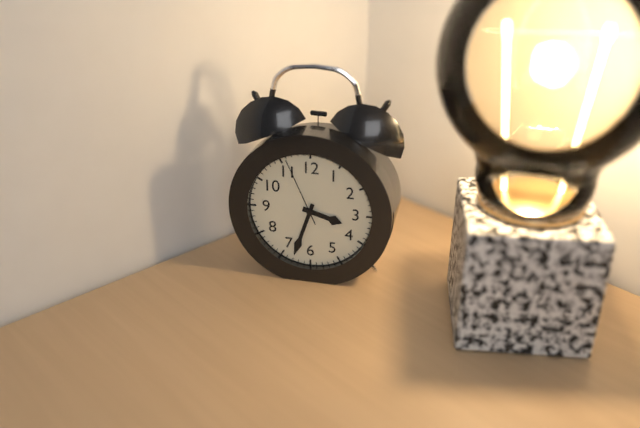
3:33:56
